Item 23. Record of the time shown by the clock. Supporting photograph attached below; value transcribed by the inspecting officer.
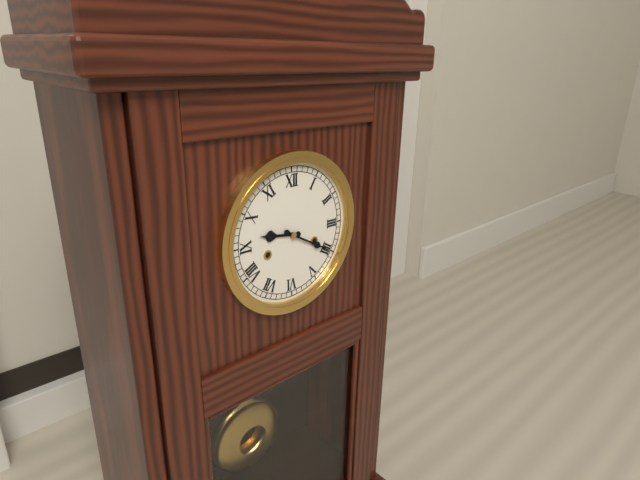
9:20
